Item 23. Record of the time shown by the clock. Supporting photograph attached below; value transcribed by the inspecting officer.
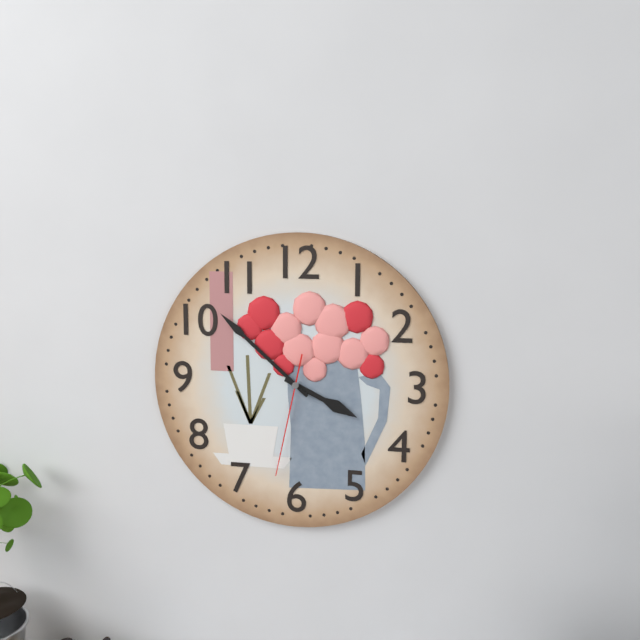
3:52:32
